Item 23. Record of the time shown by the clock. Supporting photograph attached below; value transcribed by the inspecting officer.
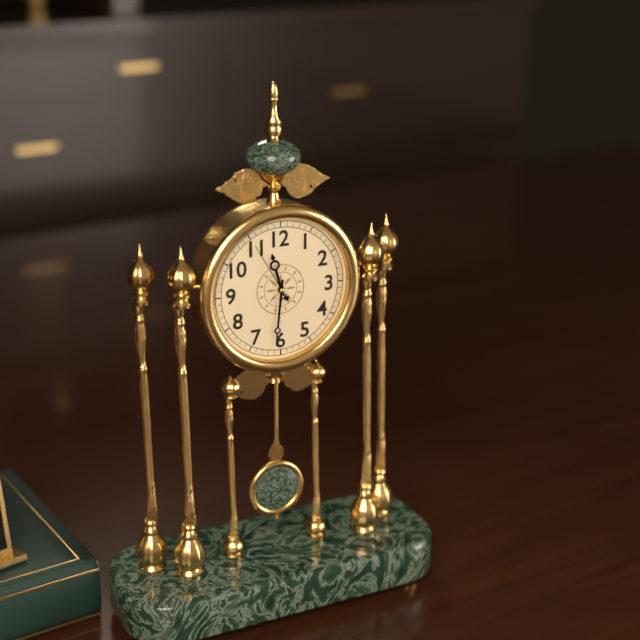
11:31:55
